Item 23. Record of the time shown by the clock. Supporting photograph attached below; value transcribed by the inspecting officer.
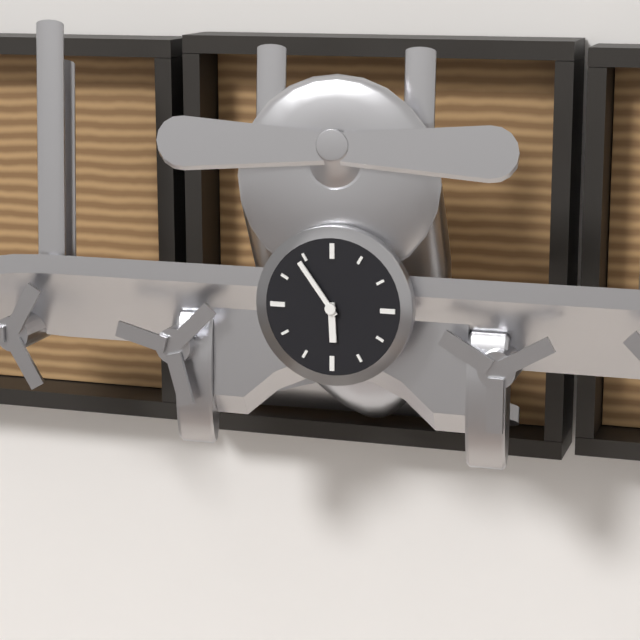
5:54
